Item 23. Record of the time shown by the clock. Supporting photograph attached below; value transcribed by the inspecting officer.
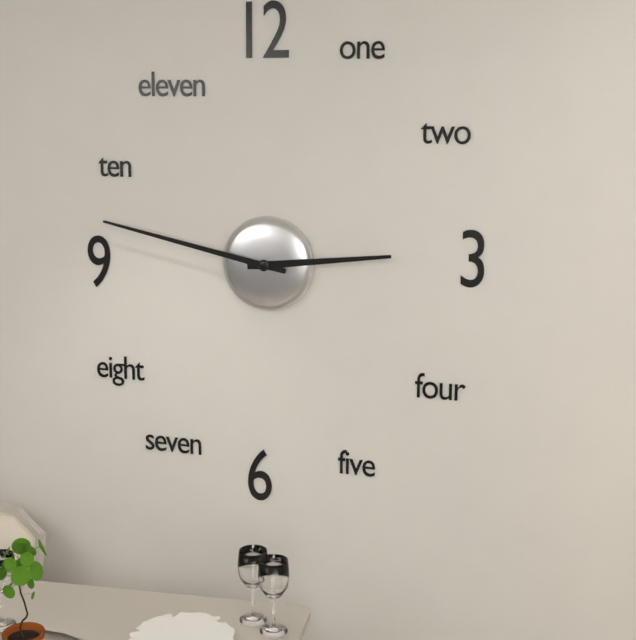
2:47
